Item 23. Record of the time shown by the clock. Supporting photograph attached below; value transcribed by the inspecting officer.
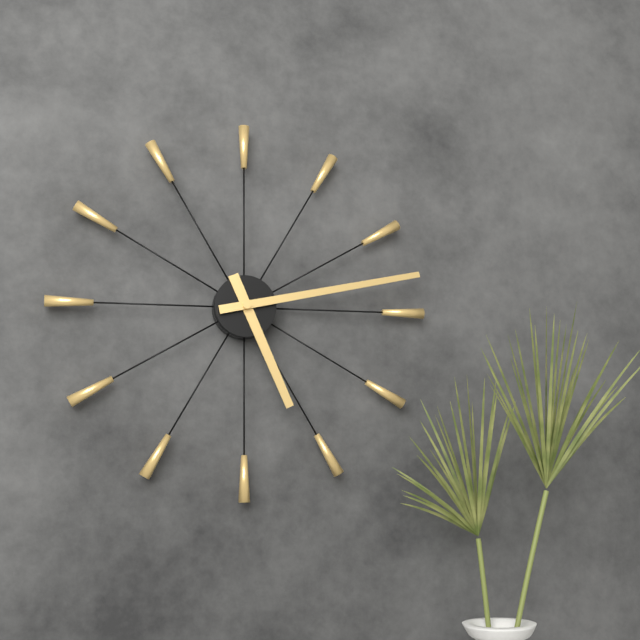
5:13
